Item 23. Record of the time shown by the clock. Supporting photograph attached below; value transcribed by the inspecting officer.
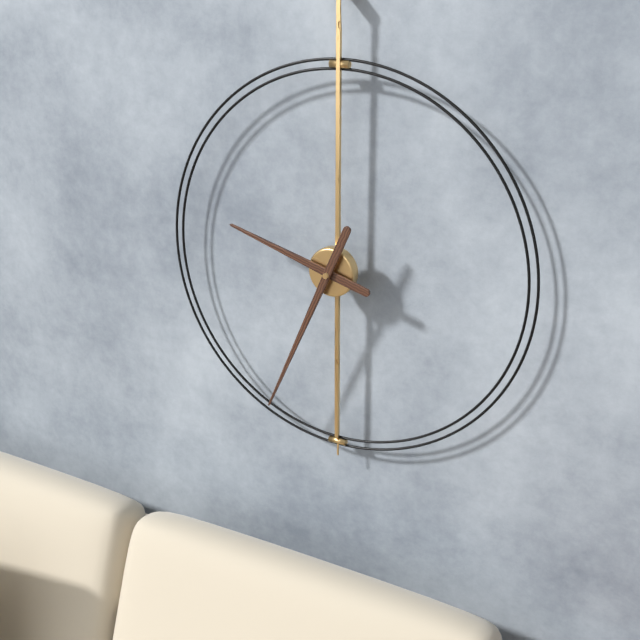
9:34
